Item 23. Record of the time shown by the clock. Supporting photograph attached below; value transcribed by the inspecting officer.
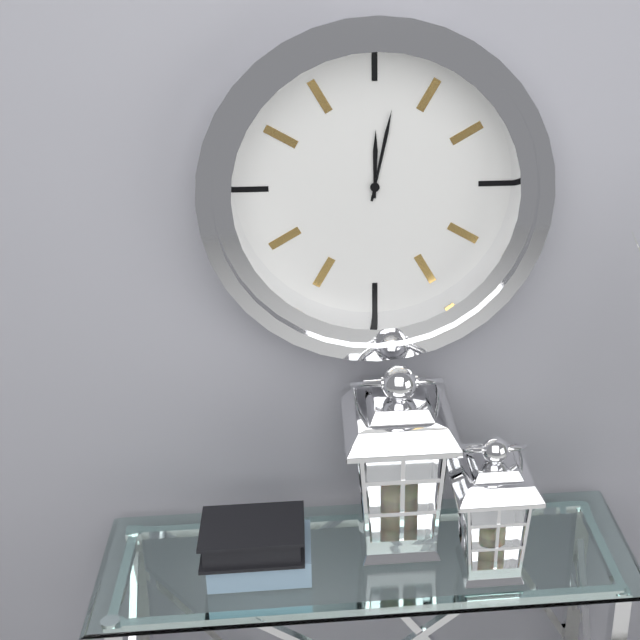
12:02
